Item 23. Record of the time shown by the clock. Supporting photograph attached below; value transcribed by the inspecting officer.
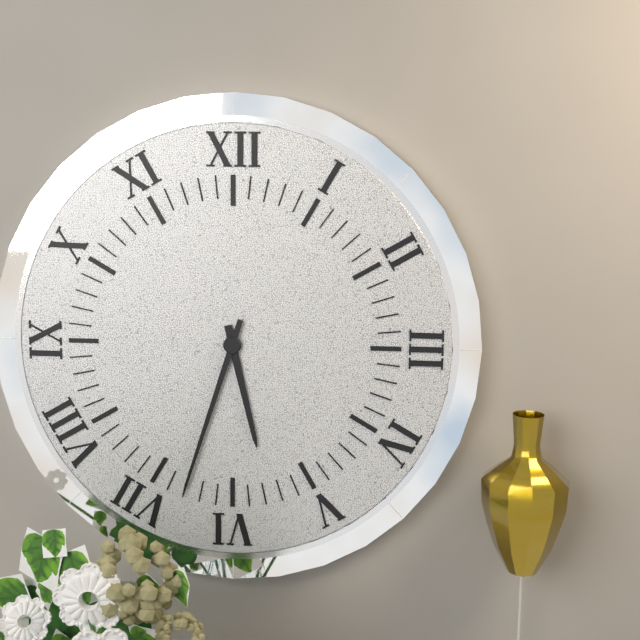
5:33
